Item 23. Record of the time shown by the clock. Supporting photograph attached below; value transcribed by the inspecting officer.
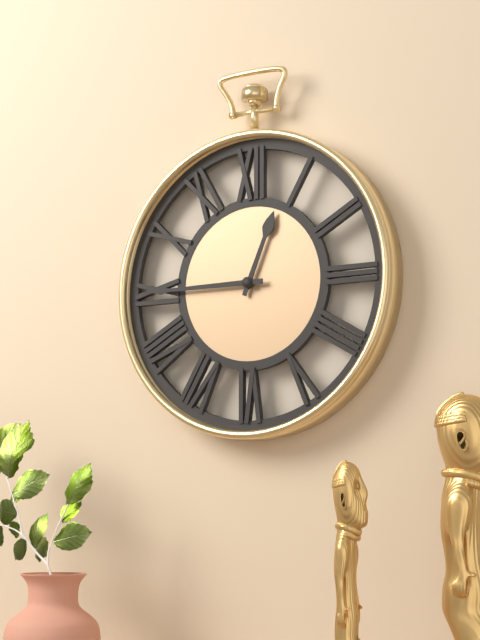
12:45
